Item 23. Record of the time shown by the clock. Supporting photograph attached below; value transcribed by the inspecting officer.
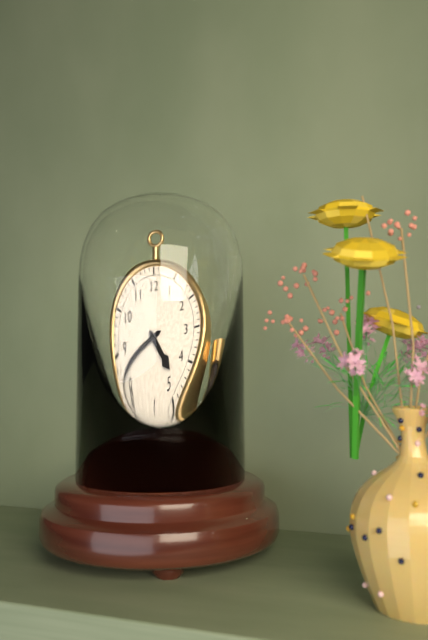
4:42
